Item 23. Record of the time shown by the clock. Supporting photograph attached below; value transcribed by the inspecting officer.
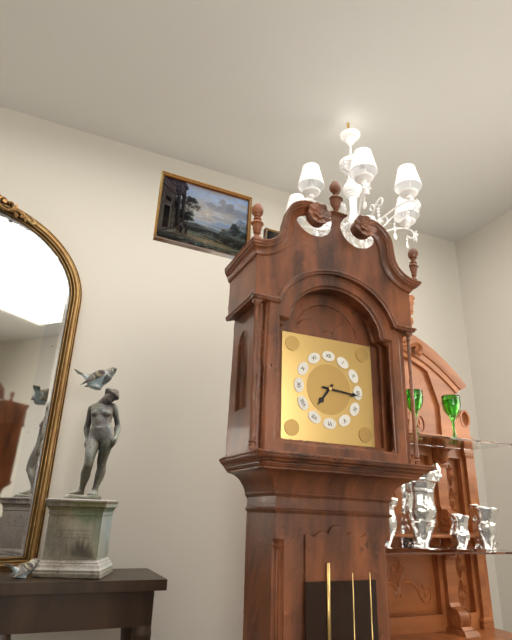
7:16
